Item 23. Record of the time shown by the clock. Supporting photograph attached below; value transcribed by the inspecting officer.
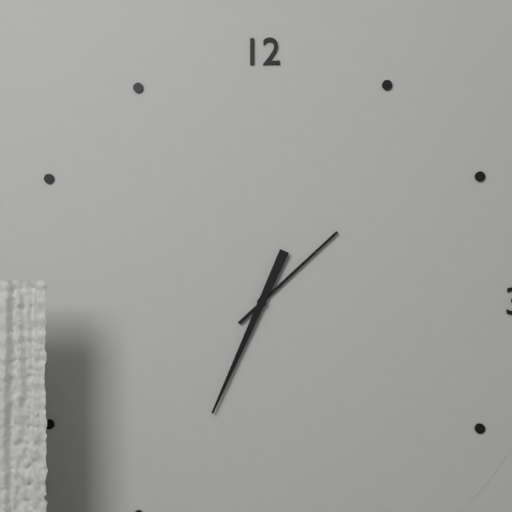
1:34
